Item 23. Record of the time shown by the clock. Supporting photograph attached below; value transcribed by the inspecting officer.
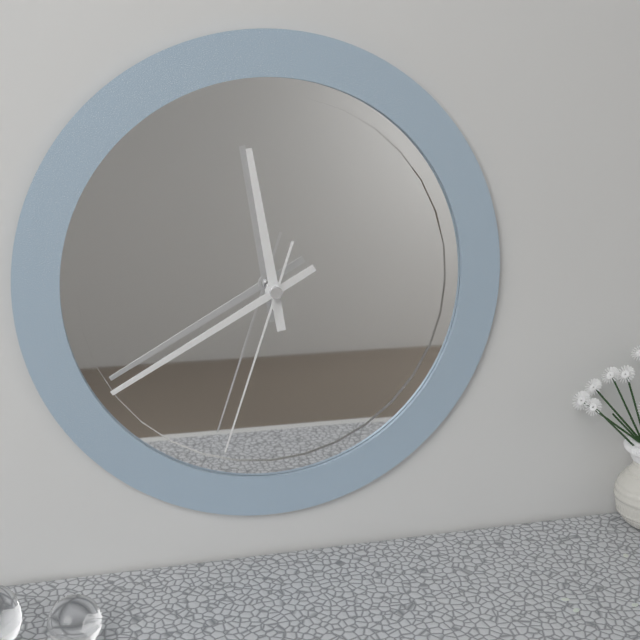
11:40:33
